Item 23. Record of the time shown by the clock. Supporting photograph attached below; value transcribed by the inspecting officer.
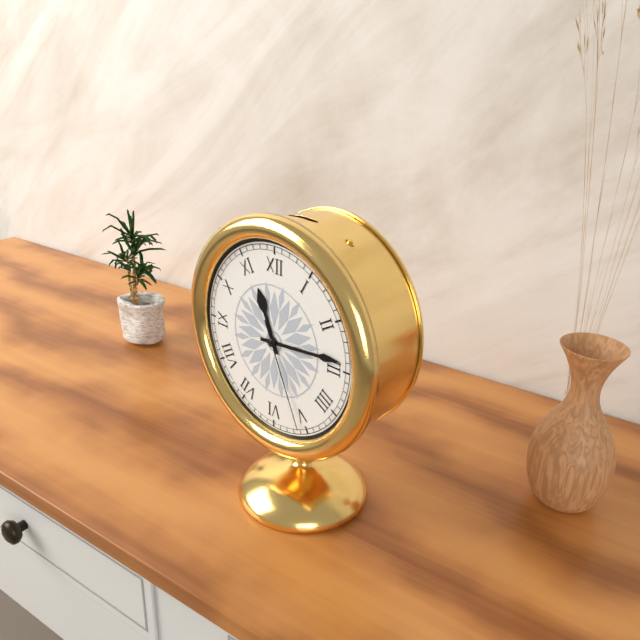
11:14:26
